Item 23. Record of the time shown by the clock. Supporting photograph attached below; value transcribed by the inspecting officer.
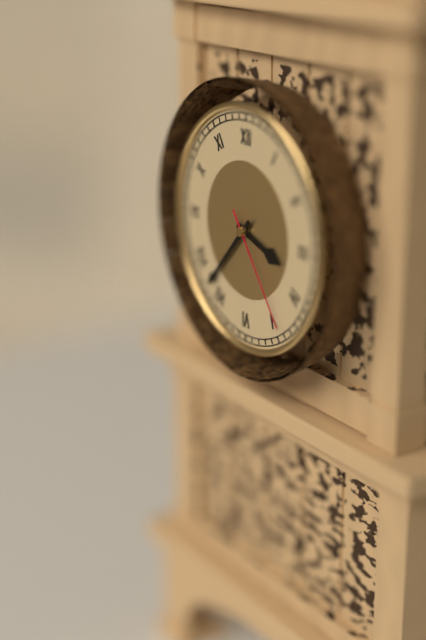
3:37:24
